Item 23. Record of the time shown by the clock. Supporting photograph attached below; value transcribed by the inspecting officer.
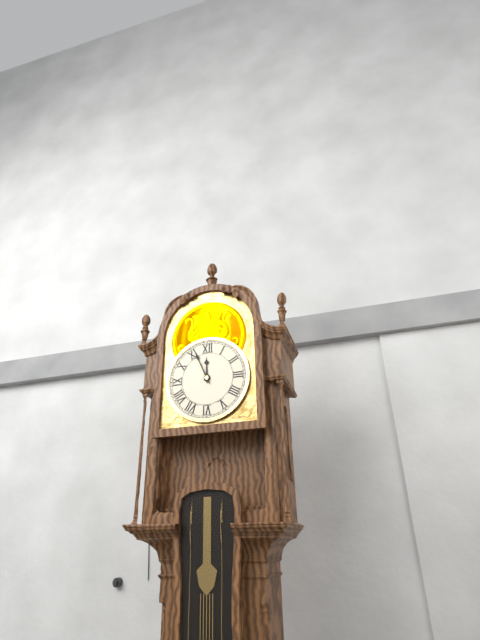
11:56
